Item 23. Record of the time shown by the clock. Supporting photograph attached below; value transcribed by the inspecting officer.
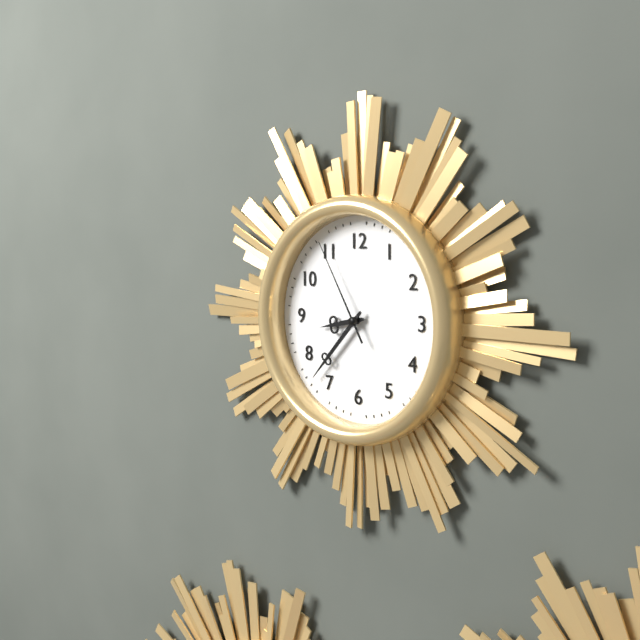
8:37:55
